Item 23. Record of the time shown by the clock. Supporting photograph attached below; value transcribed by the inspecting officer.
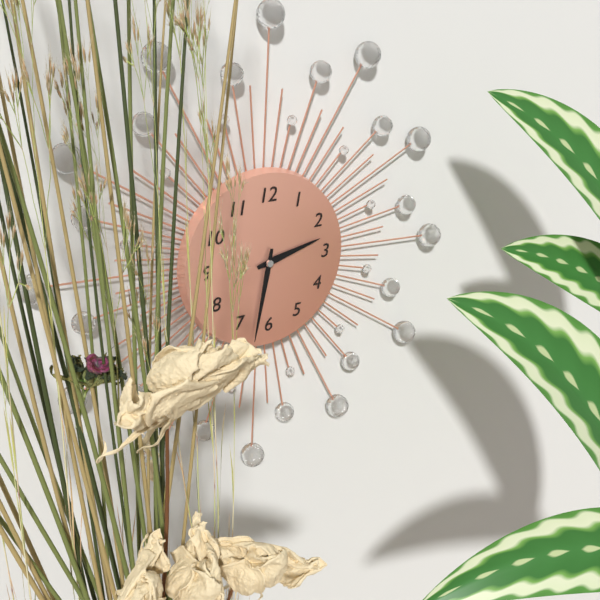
2:32
